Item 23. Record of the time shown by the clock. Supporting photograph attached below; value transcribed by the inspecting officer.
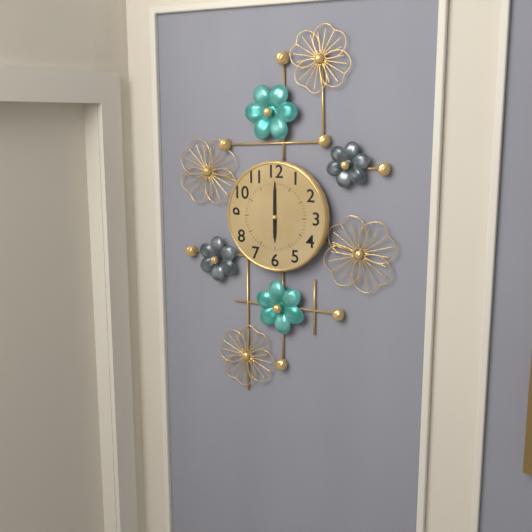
6:00
